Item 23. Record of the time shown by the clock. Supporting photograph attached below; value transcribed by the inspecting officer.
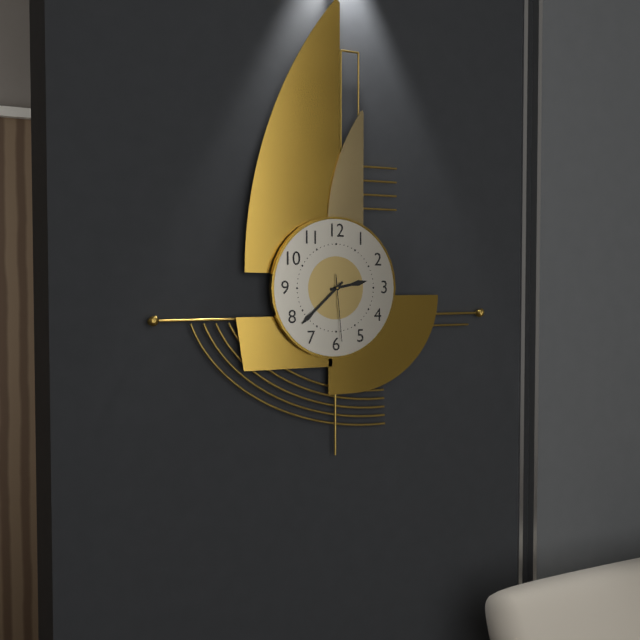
2:38:29
